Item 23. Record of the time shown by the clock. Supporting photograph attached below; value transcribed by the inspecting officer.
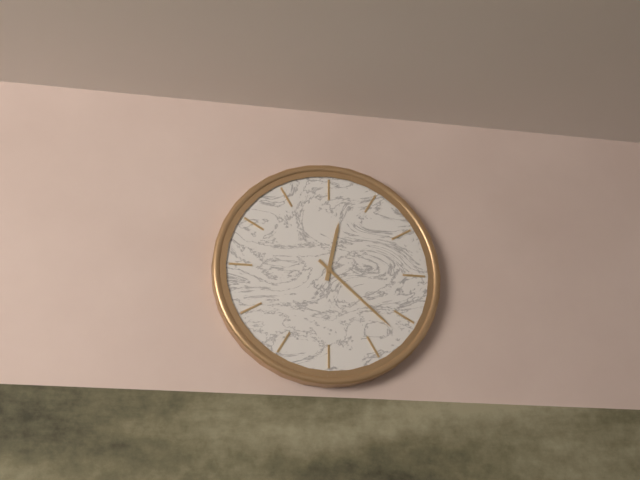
12:22
